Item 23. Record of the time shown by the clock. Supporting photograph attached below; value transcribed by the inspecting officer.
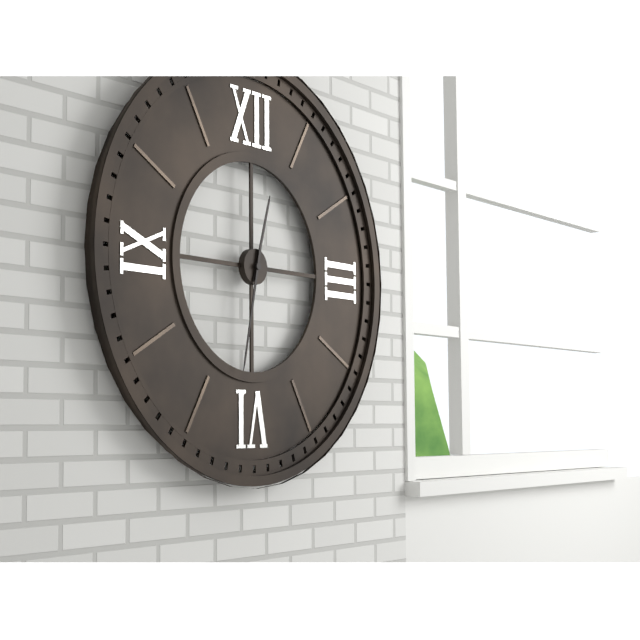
12:32
